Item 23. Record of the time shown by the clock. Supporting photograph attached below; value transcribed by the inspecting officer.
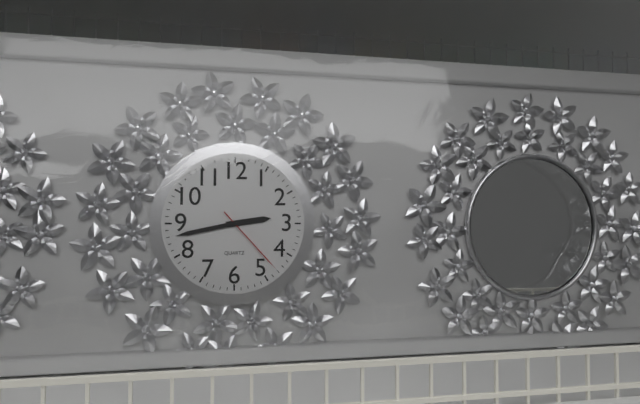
2:43:23
